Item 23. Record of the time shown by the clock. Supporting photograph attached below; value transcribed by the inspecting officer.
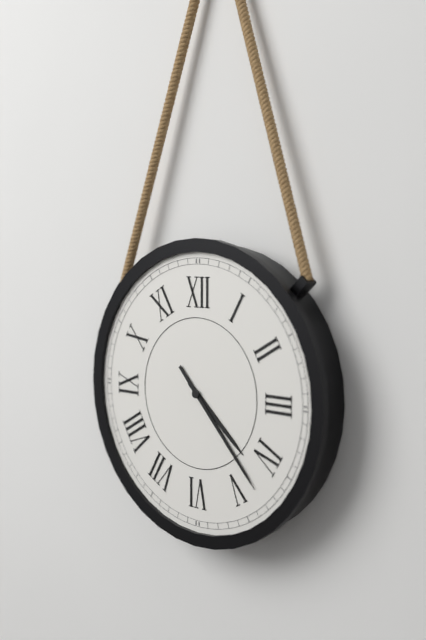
4:23
